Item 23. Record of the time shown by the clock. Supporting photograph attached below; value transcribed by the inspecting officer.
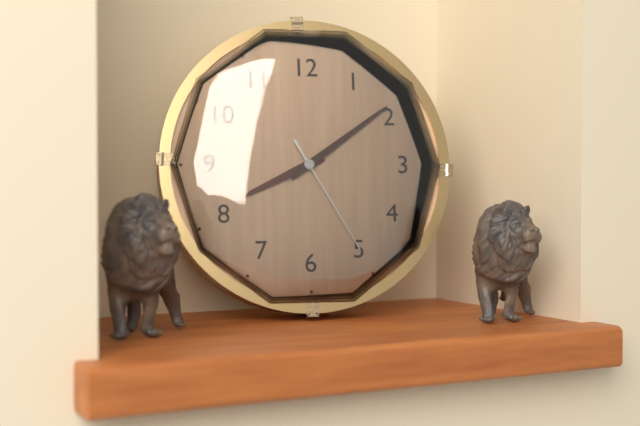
8:09:25
